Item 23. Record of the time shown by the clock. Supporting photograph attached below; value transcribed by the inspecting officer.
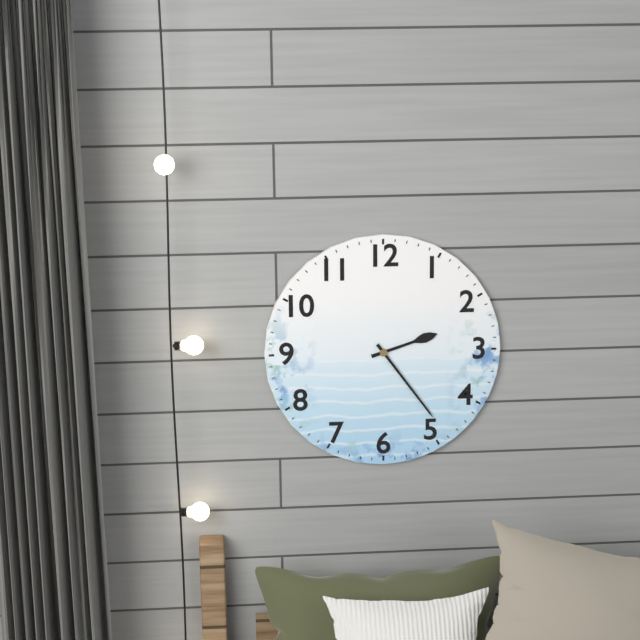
2:24
